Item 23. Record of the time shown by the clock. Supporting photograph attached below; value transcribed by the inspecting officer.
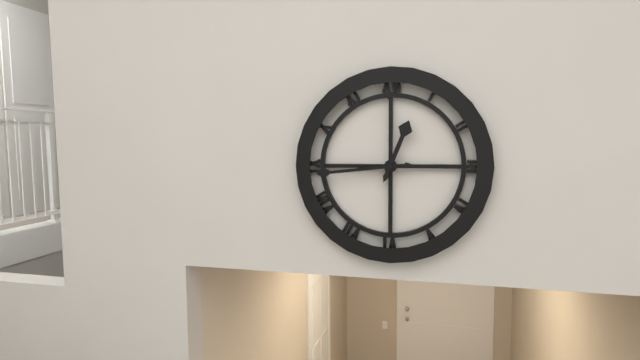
12:44
